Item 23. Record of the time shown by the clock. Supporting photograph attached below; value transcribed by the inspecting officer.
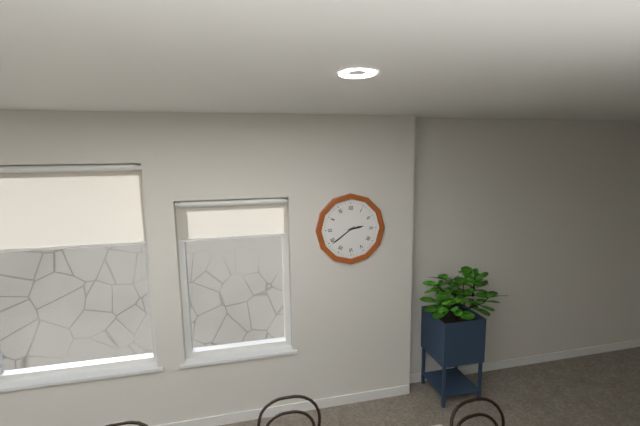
2:39
